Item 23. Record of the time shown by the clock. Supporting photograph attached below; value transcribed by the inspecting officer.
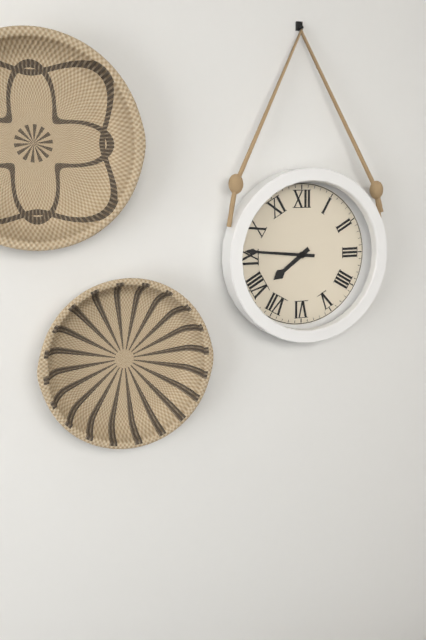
7:46
